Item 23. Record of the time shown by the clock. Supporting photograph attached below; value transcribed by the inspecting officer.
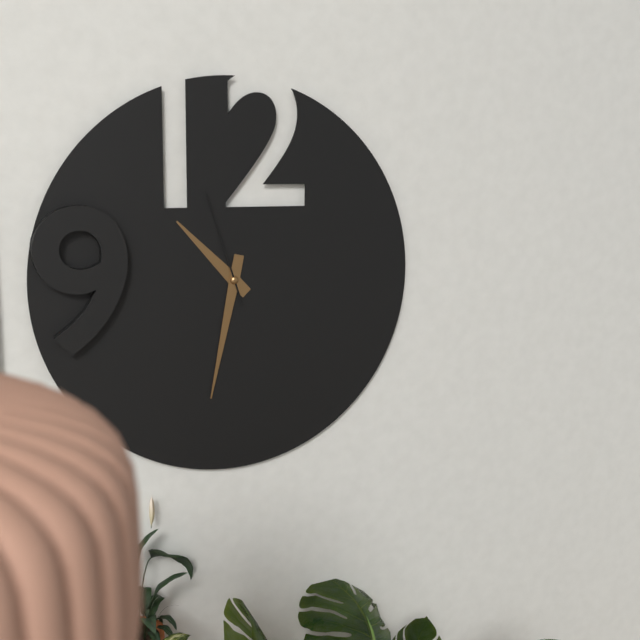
10:32:57
